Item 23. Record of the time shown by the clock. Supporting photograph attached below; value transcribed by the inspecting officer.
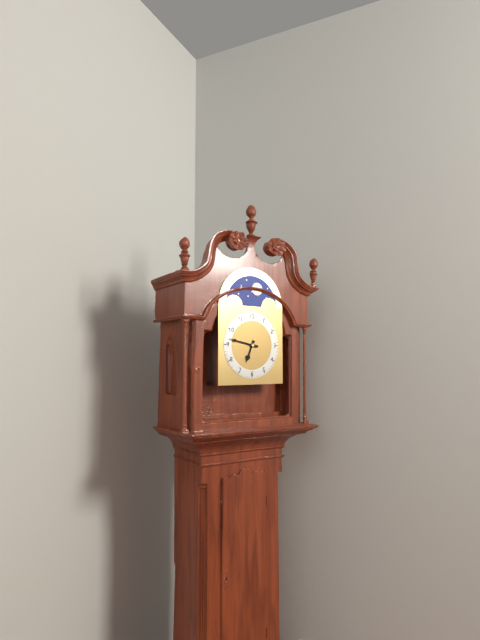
6:47
